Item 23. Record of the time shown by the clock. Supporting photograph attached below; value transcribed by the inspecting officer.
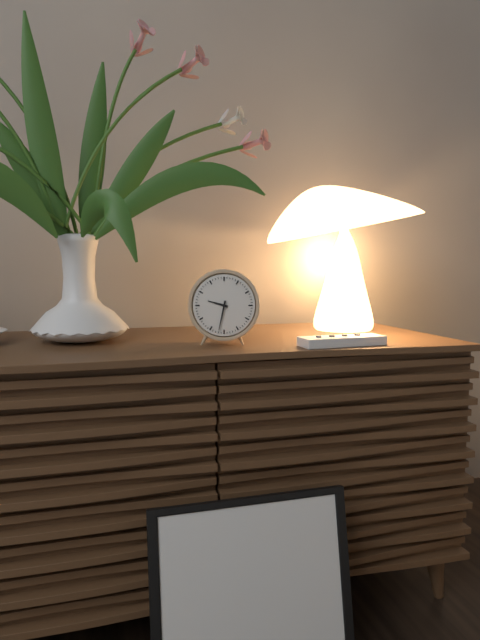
9:32
